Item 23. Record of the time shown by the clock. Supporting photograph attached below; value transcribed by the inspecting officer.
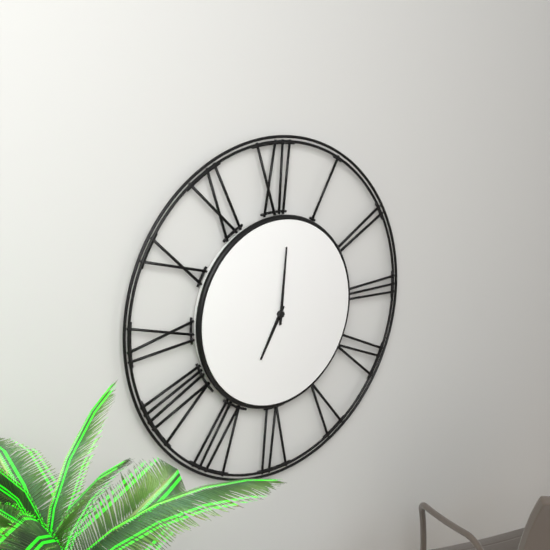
7:01
